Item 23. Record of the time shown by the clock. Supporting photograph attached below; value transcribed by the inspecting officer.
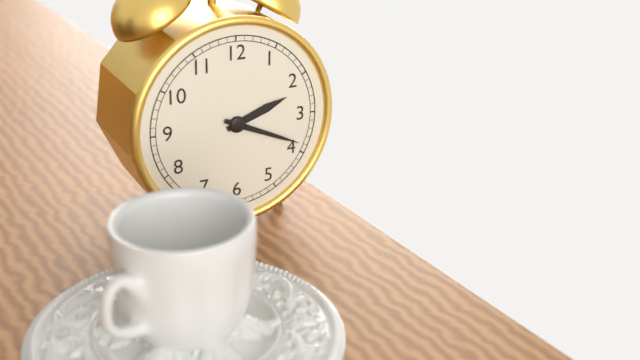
2:19
